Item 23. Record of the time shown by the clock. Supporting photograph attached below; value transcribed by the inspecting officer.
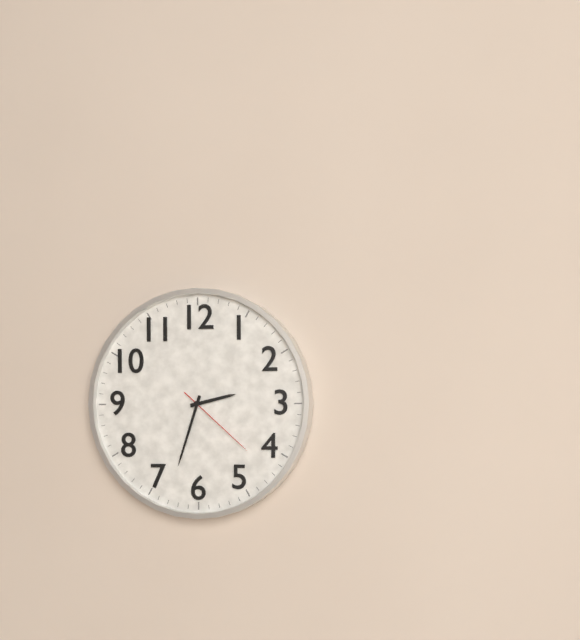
2:33:22
